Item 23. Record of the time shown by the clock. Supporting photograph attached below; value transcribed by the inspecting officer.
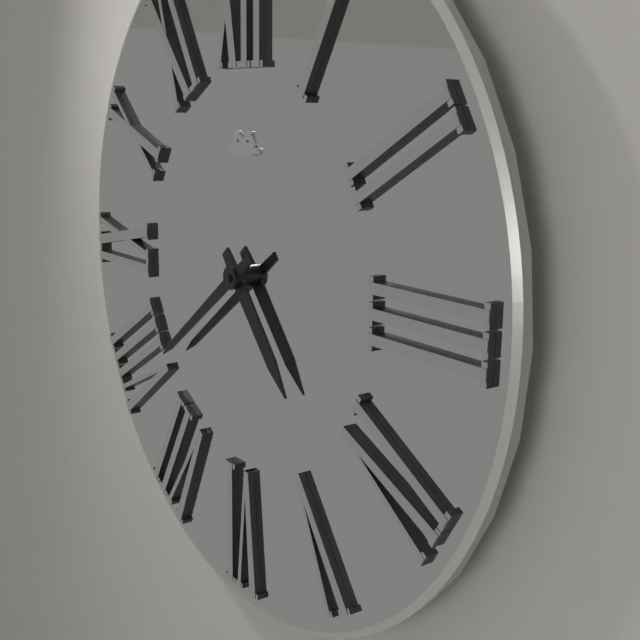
4:39
